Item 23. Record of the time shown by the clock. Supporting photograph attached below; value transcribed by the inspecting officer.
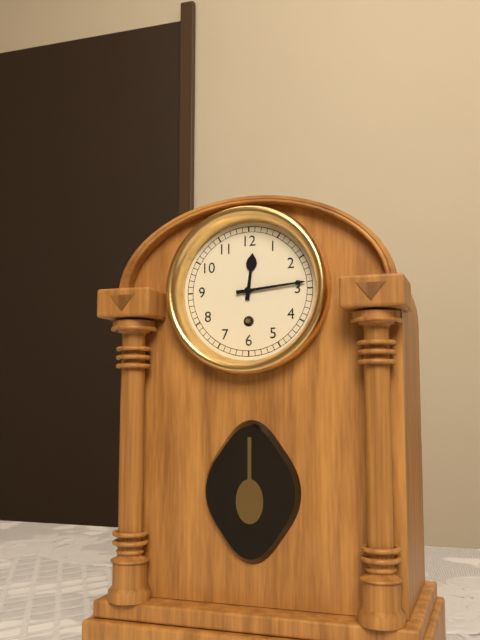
12:14
